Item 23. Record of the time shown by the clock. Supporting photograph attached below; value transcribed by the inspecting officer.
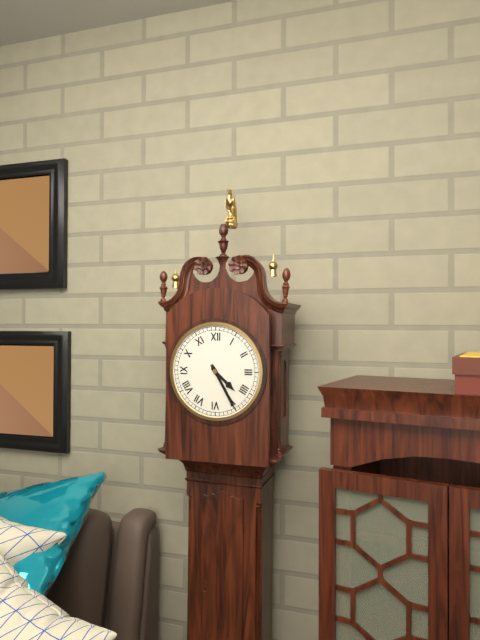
4:25
